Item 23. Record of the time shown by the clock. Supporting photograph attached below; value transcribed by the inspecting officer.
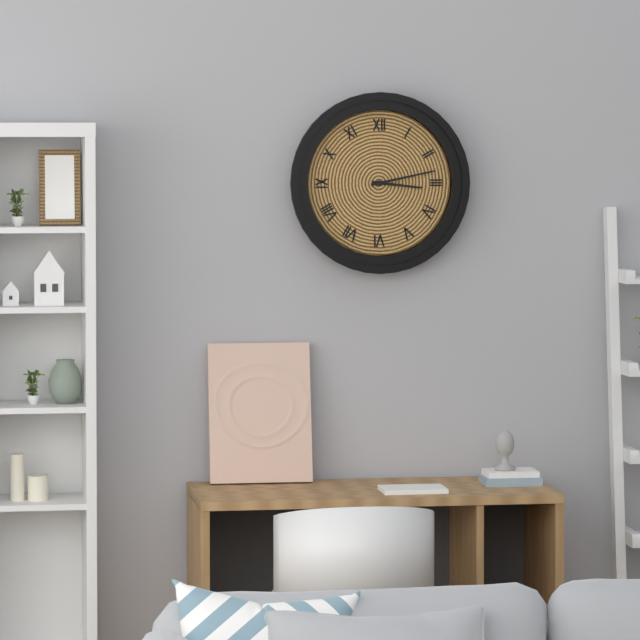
3:13
